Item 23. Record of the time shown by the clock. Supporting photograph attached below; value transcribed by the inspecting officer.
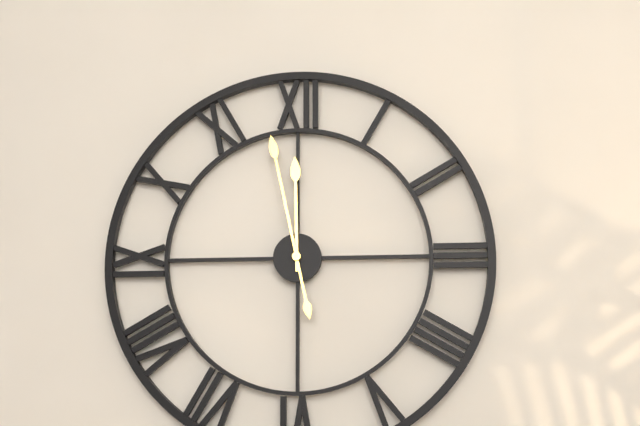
11:58
